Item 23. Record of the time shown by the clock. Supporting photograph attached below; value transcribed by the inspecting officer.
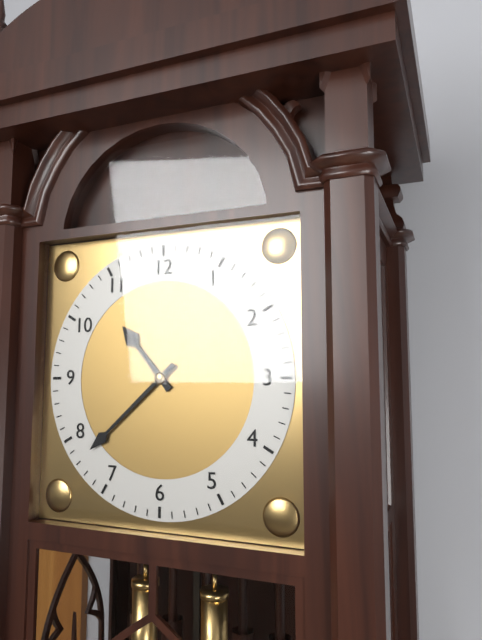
10:38
